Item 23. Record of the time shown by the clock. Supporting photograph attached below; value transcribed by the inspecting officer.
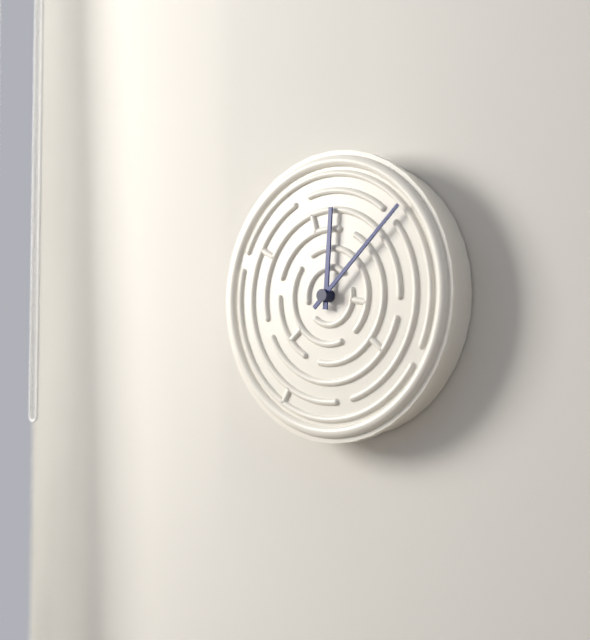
12:08
